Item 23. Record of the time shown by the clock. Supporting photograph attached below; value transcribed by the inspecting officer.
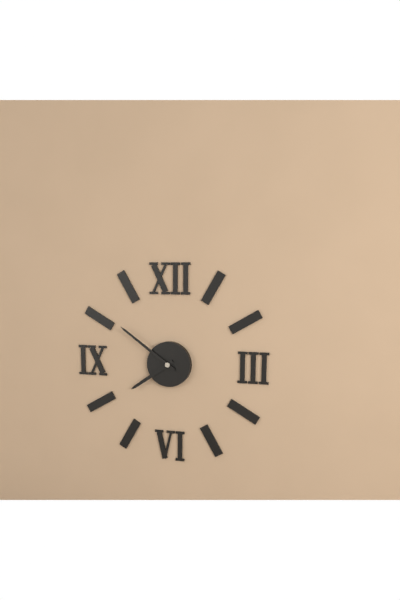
7:51
